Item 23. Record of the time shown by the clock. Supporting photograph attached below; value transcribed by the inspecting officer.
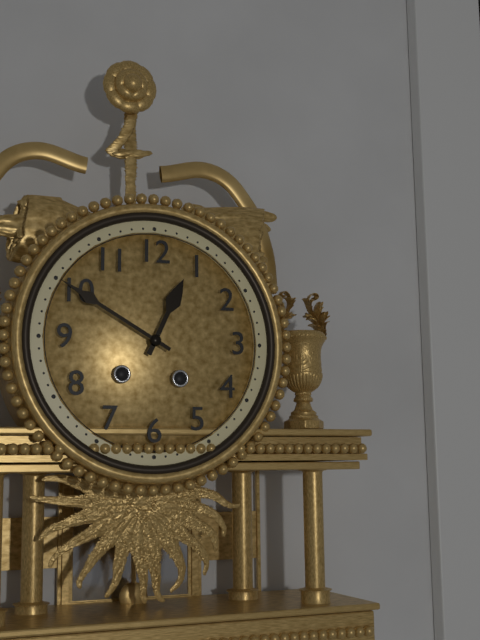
12:50
